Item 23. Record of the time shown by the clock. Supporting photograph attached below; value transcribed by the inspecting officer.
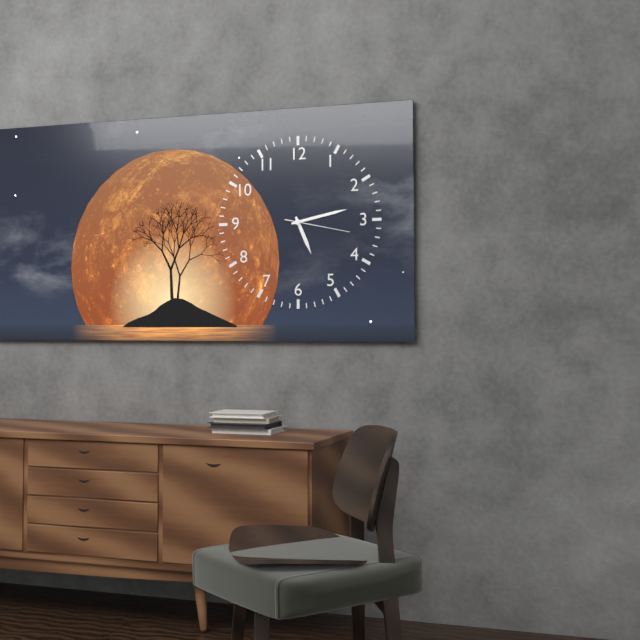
5:13:17
